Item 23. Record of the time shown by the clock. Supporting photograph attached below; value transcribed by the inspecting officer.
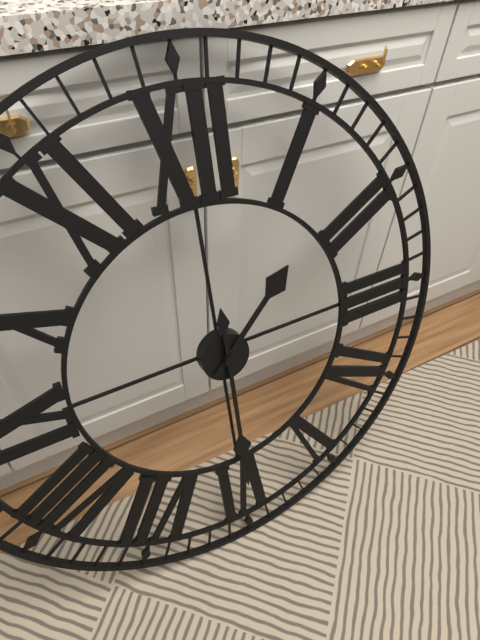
1:30
